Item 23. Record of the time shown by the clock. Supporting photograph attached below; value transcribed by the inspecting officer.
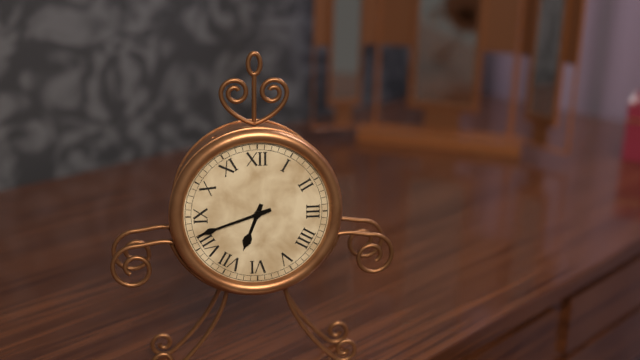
6:42
